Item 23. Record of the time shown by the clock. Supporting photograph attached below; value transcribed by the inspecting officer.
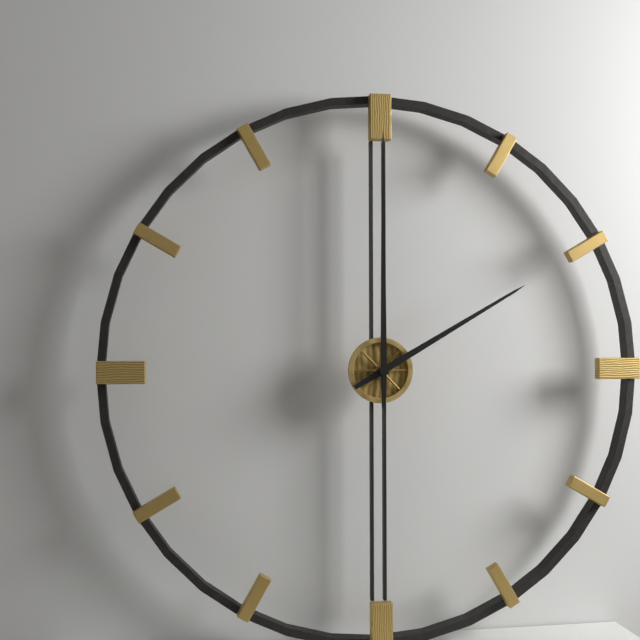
2:00
